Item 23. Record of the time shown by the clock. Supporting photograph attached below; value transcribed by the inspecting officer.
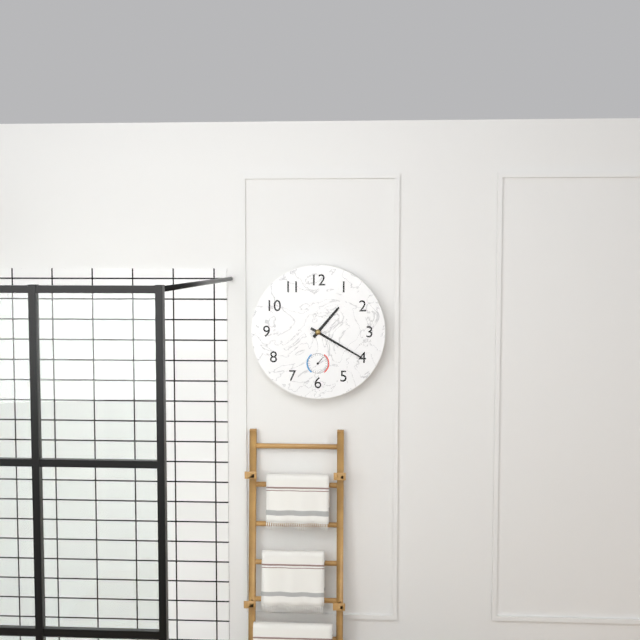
1:20
